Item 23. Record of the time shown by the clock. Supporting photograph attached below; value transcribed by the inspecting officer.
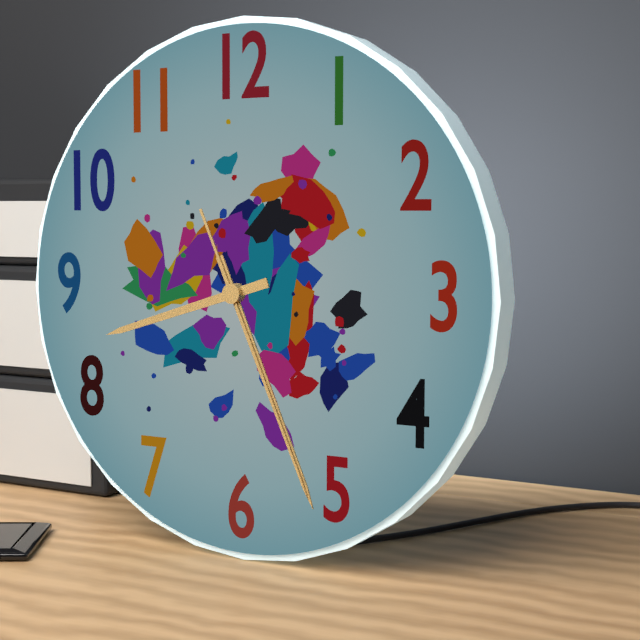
8:26:26
